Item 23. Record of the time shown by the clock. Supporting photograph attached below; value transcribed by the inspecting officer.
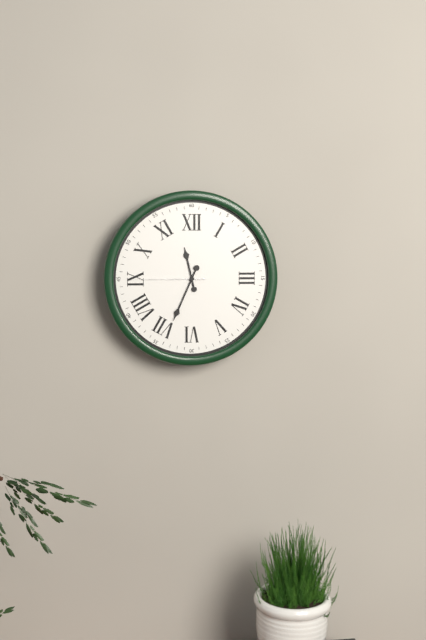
11:34:45
